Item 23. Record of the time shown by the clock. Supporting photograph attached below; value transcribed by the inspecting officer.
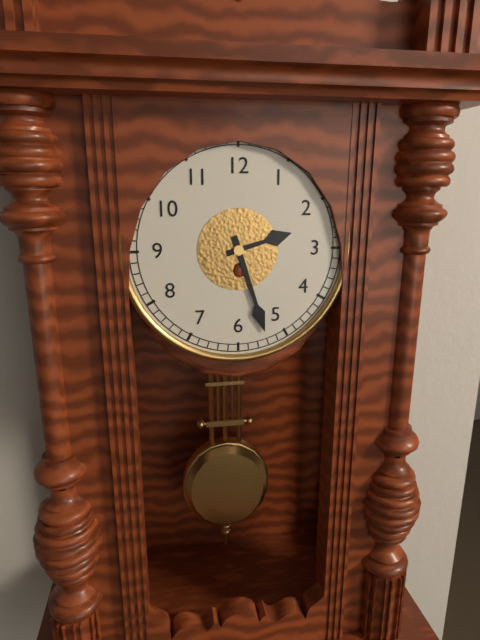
2:27
